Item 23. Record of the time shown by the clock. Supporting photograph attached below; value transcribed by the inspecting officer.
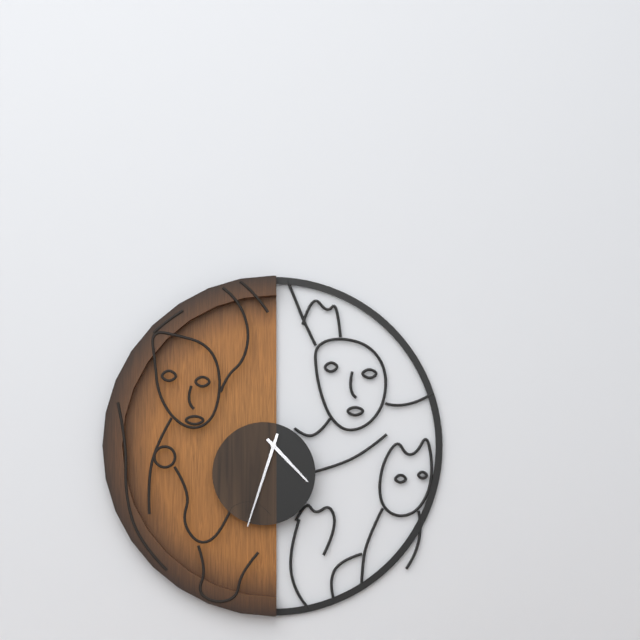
4:33
